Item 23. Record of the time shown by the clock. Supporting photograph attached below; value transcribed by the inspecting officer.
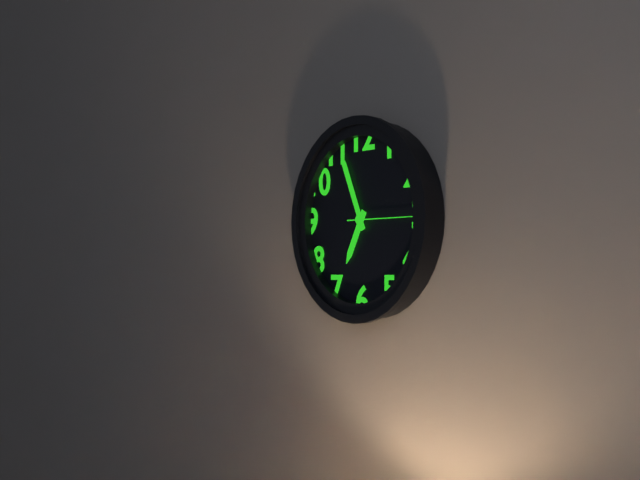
6:56:15
